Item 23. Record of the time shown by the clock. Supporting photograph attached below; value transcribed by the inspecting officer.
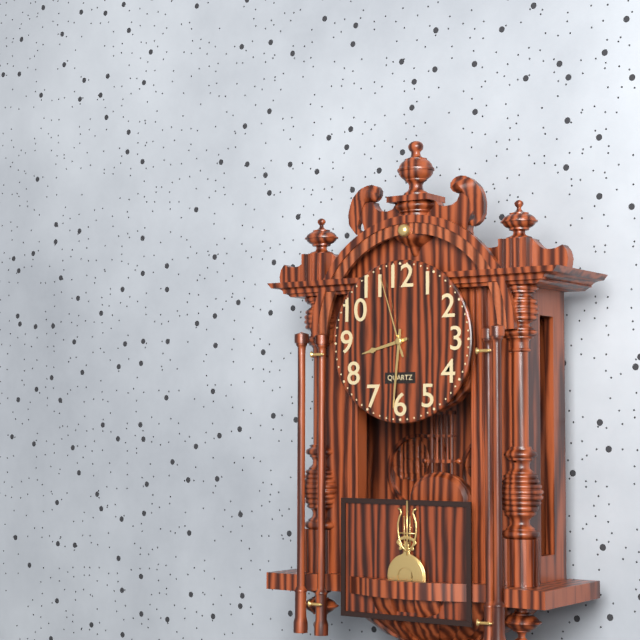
8:31:57
